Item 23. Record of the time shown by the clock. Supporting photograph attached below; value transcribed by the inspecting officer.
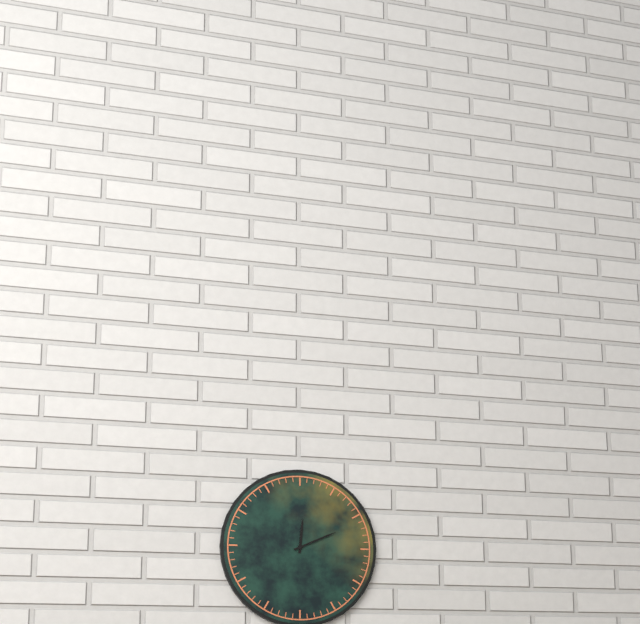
12:11
